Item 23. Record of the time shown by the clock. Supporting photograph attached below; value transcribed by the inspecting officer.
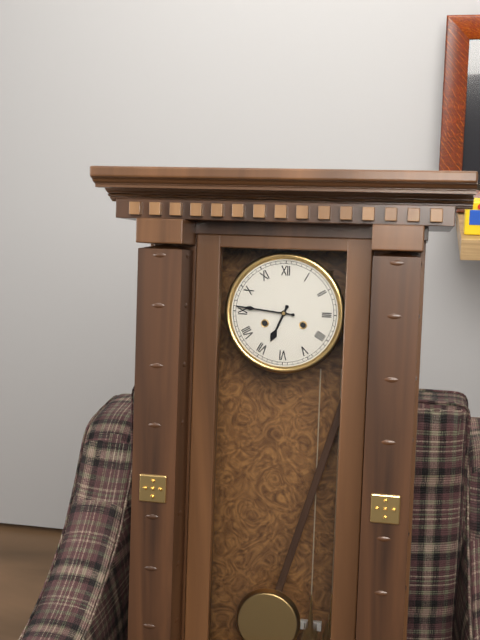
6:46
